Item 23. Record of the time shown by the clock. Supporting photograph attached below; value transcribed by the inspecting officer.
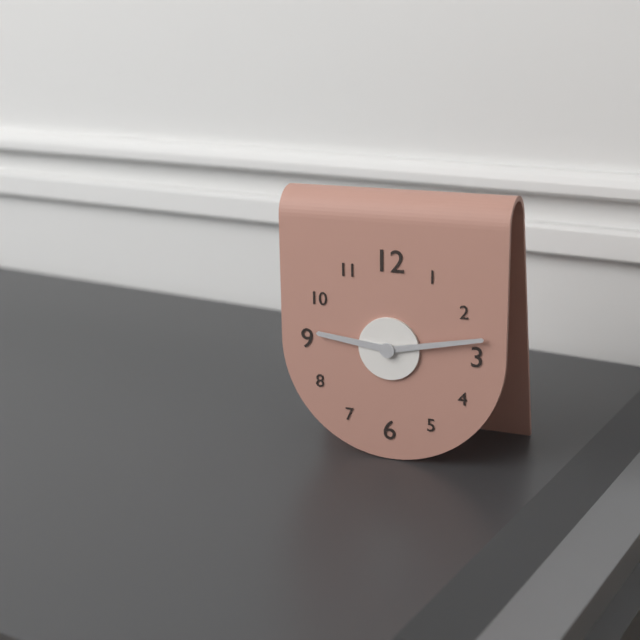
9:13
